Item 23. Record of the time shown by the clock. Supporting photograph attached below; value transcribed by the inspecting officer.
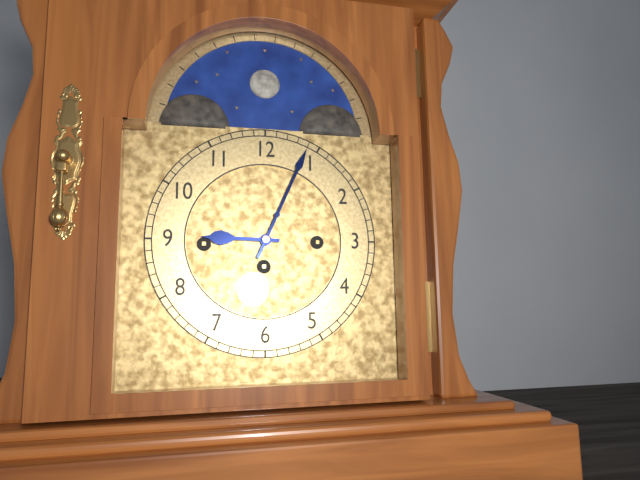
9:04
